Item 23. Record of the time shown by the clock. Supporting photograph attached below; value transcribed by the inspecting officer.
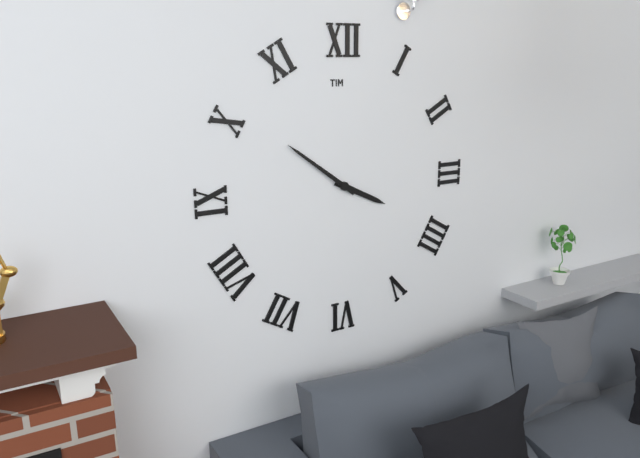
3:51
